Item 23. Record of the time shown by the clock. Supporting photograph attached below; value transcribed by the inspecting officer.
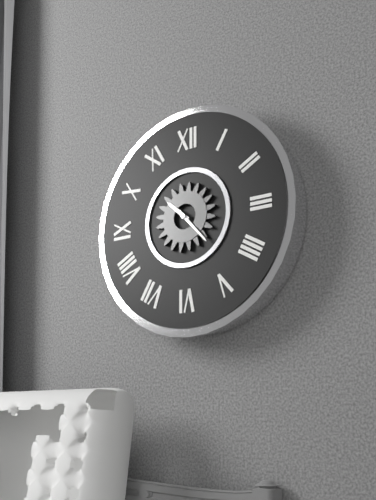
10:23
